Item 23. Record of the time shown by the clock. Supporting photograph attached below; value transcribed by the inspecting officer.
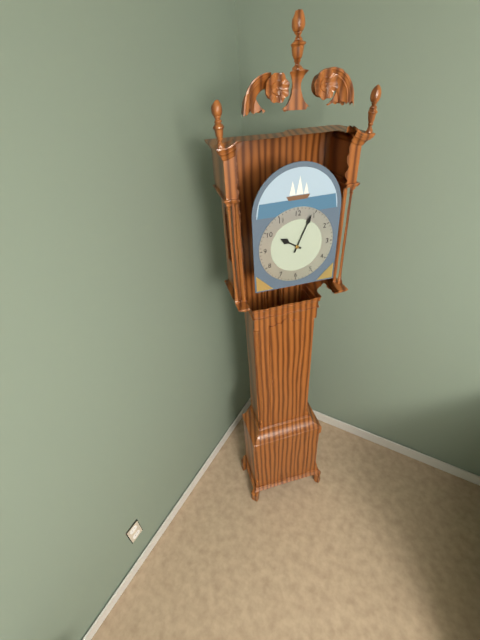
10:04
